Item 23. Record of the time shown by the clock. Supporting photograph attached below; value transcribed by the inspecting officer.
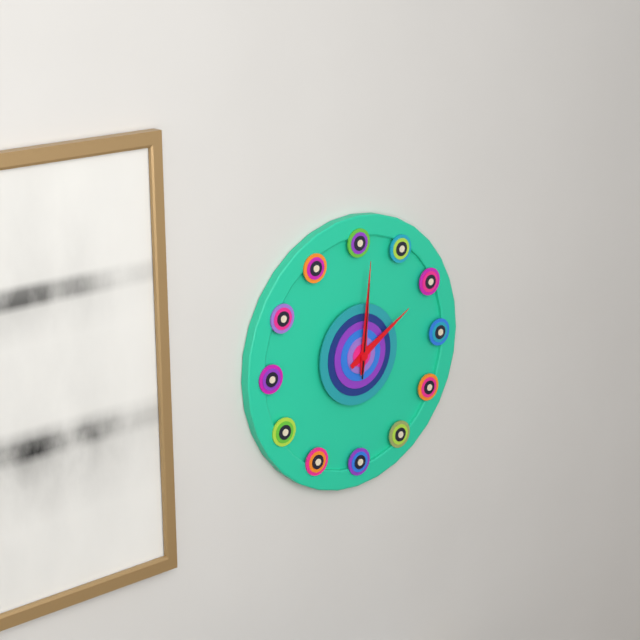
2:01:01
